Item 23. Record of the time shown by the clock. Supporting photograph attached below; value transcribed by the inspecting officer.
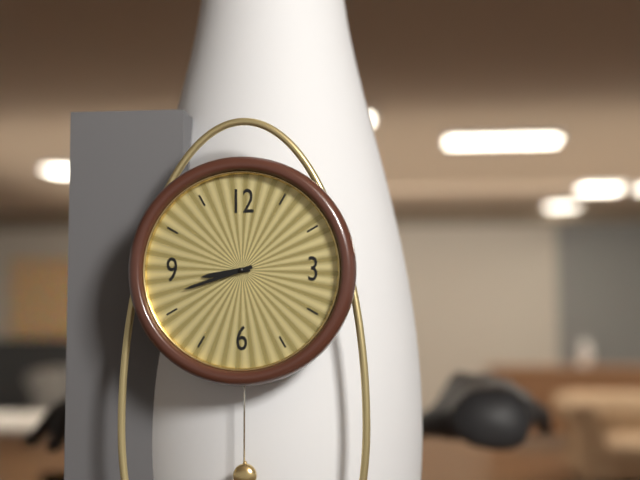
8:42
